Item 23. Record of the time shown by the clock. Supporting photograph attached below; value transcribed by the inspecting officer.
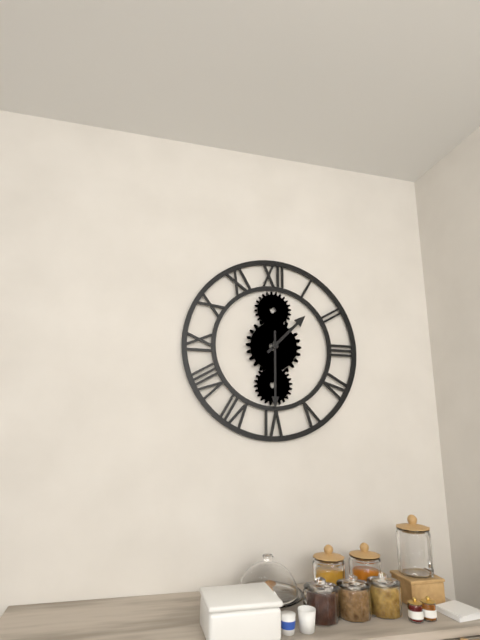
1:30
